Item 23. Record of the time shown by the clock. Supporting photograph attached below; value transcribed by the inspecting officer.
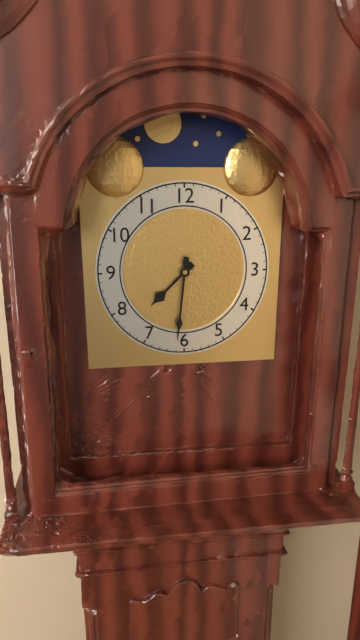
7:31
